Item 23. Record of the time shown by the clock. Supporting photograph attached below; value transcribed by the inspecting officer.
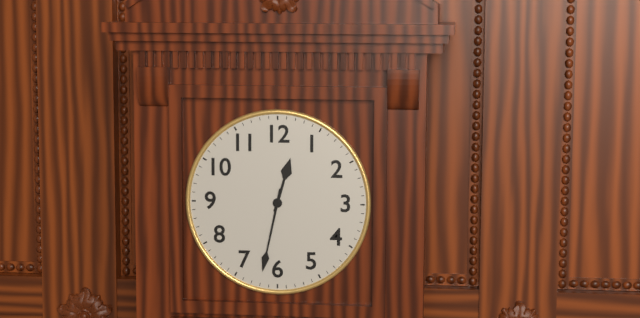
12:32
